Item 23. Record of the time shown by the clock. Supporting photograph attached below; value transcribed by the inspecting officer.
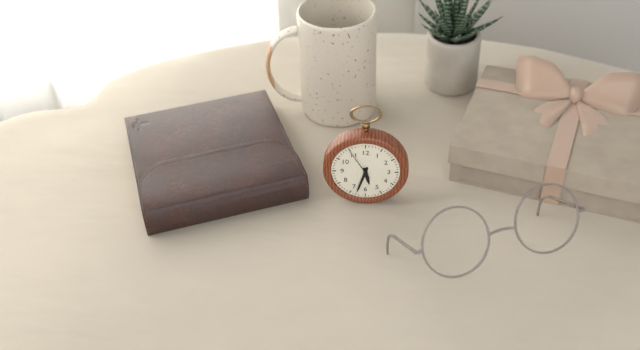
5:33
